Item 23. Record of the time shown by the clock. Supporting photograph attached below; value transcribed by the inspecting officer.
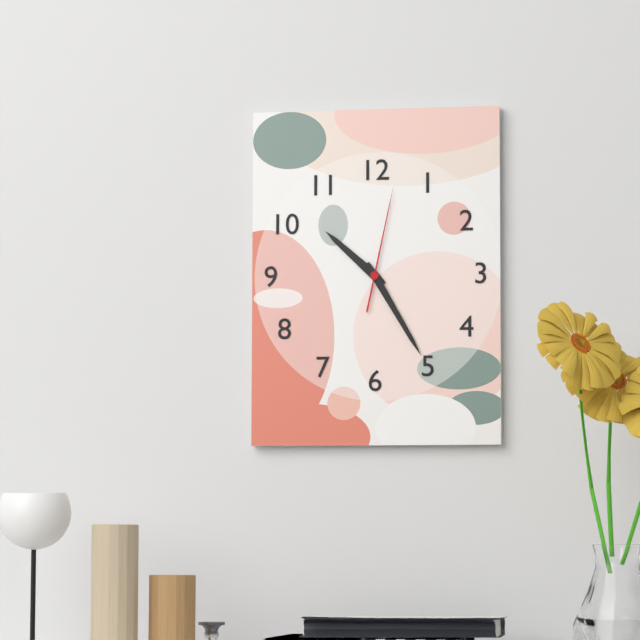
10:25:02
